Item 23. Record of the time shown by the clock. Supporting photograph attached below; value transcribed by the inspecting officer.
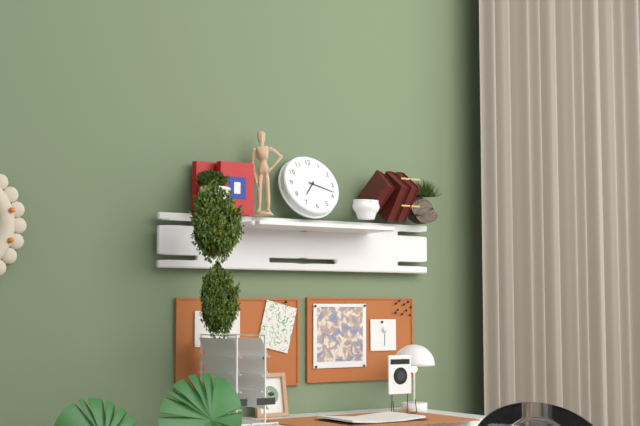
7:18
